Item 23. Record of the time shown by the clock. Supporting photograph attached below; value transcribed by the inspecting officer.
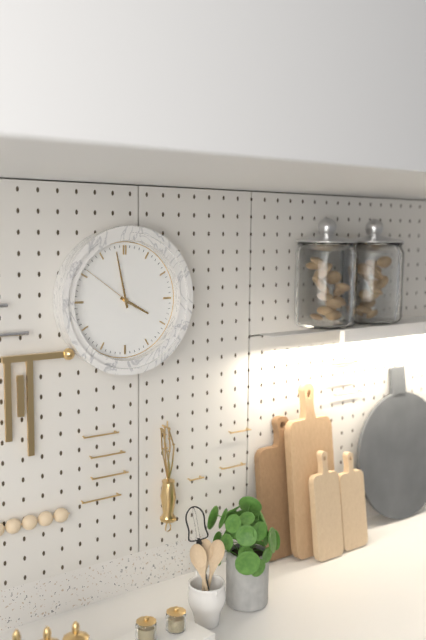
3:58:51
